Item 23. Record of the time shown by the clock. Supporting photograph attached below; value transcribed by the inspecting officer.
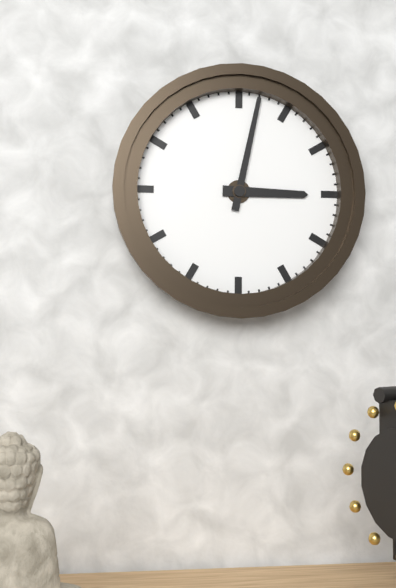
3:02
